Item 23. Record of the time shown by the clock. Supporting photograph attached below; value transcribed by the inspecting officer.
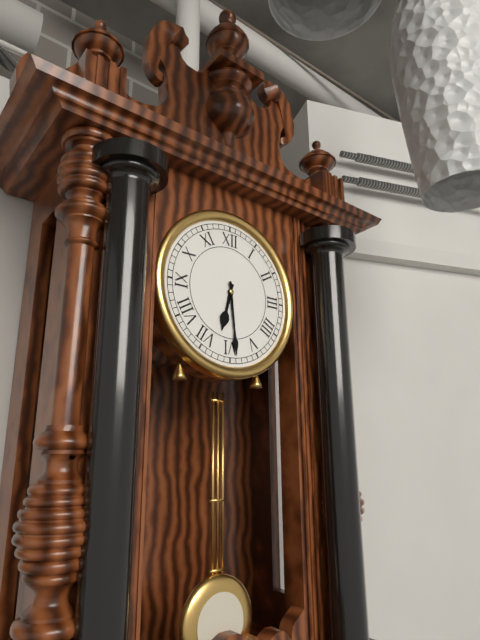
6:29
